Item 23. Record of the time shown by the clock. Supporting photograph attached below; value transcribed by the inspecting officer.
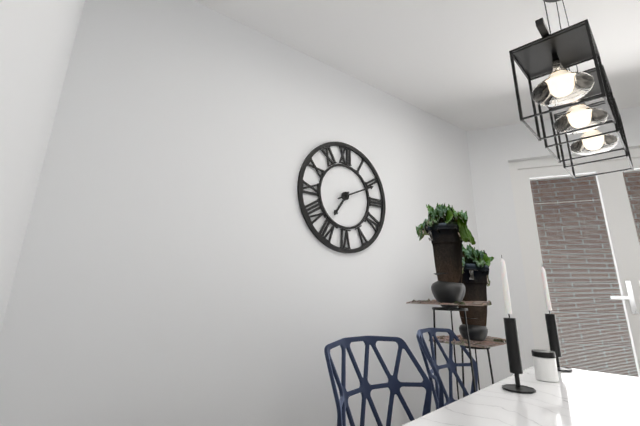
7:11
